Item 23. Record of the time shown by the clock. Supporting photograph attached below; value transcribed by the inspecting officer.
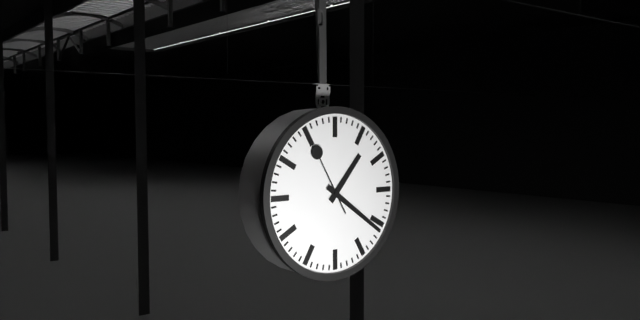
1:21:55
